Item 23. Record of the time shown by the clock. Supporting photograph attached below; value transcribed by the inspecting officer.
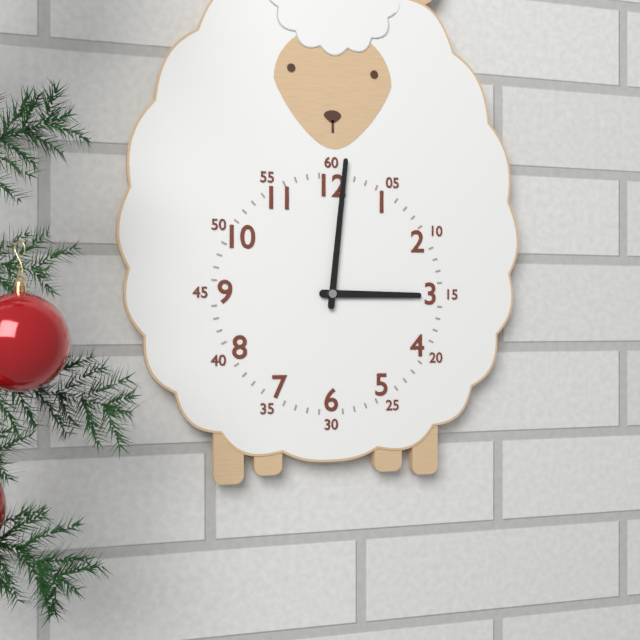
3:01
